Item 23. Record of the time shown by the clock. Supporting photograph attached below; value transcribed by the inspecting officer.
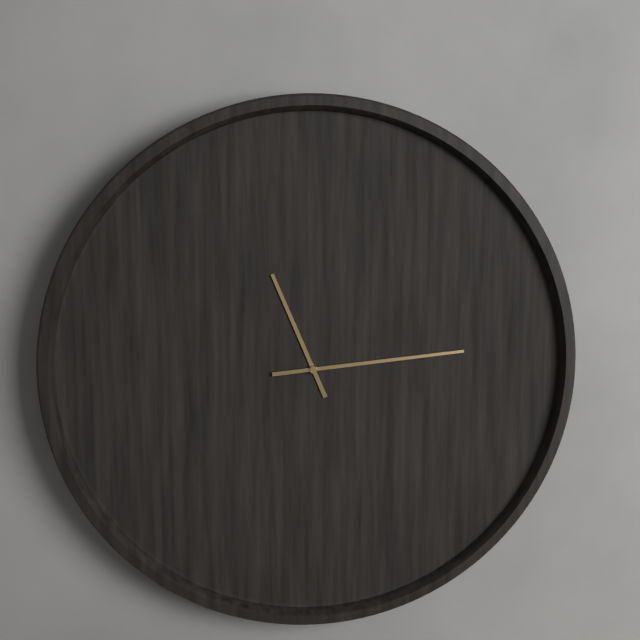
11:14
